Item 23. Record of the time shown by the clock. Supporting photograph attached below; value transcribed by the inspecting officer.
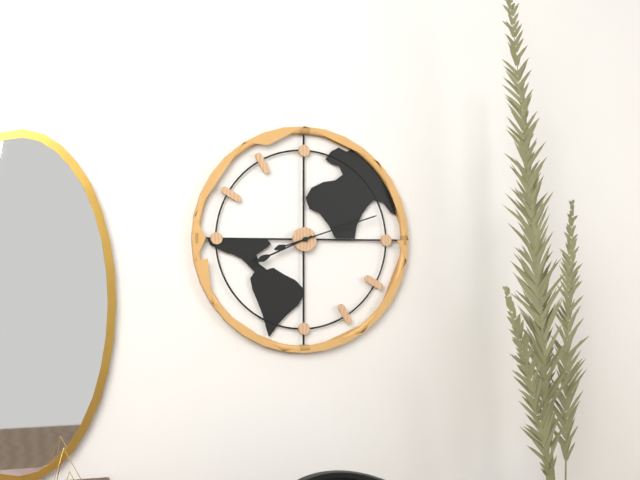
8:12
